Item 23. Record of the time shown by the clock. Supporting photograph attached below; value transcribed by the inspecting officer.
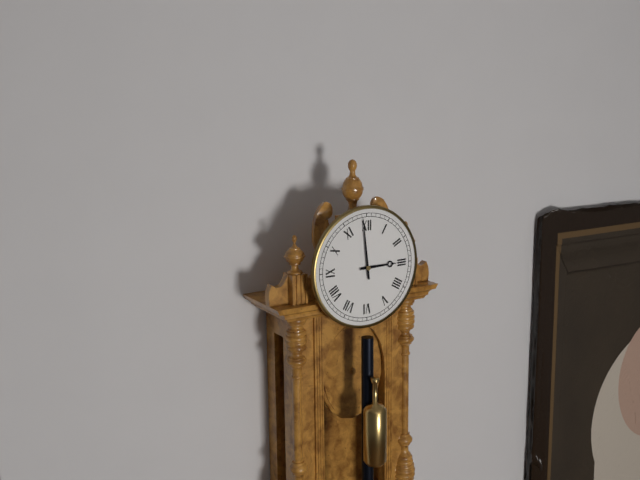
2:59
